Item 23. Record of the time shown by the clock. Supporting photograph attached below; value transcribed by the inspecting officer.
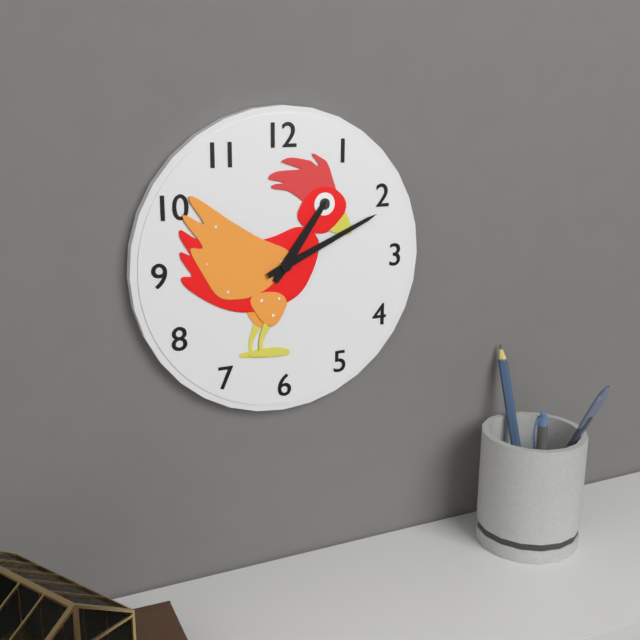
1:11
